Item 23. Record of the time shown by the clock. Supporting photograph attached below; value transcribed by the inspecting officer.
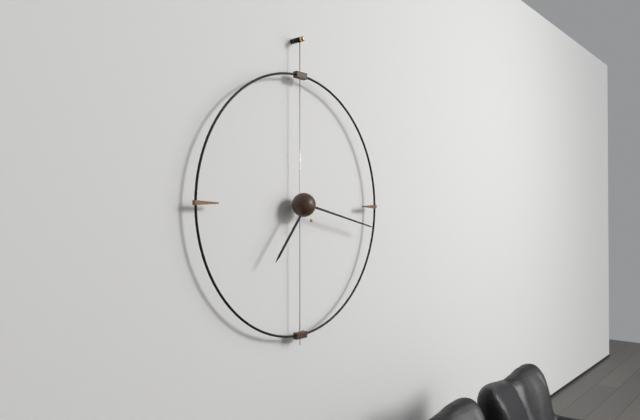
7:17
